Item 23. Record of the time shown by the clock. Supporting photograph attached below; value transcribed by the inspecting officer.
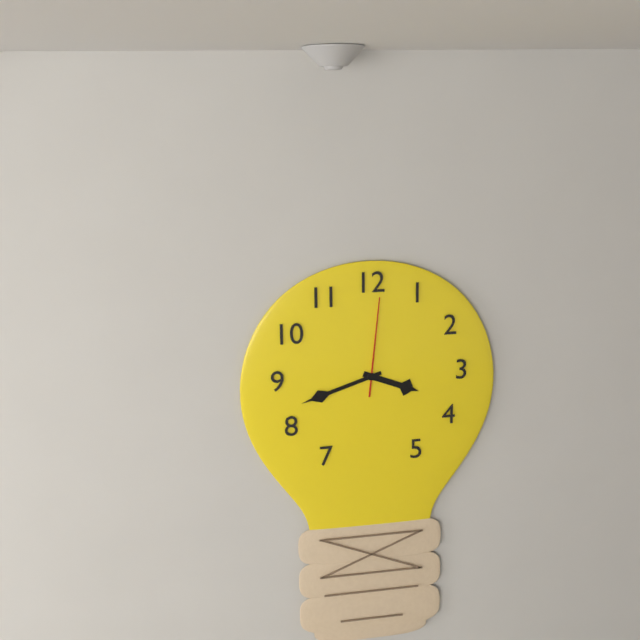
3:42:01
